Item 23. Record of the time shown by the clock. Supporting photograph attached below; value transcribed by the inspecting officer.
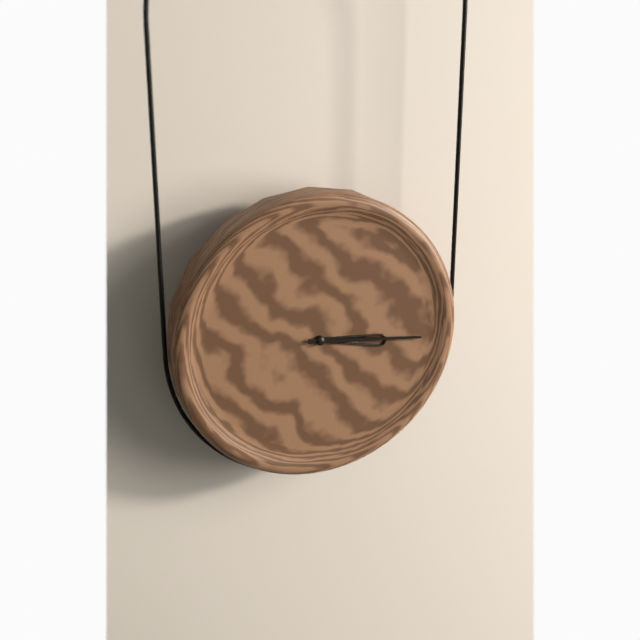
3:16
